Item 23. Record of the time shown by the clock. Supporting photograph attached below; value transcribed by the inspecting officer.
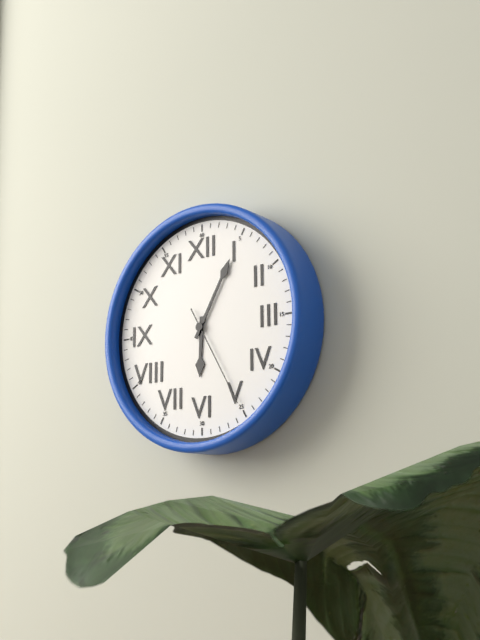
6:05:25
